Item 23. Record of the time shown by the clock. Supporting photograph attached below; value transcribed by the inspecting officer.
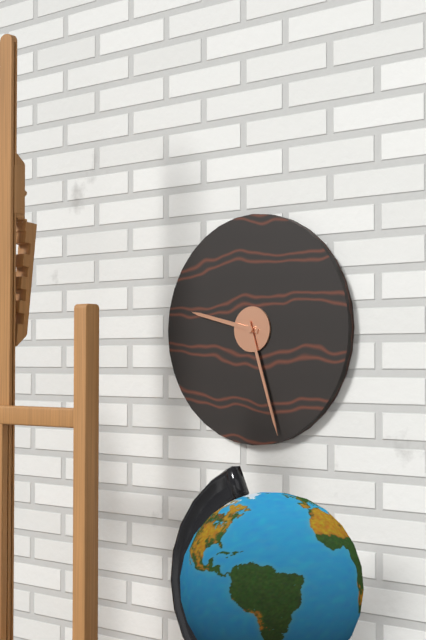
9:27
